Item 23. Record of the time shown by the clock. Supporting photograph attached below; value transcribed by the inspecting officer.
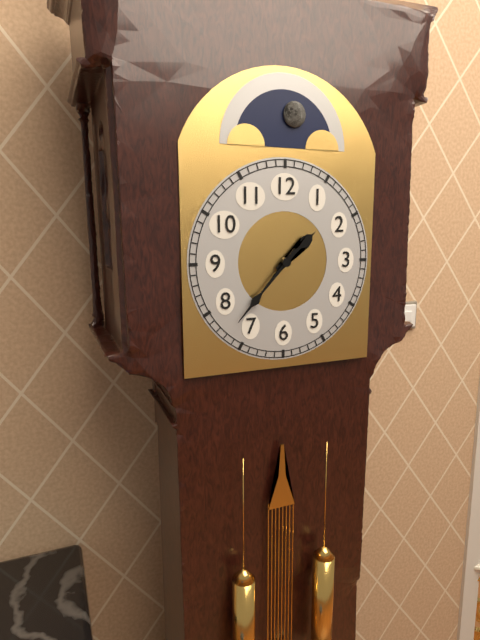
1:37
